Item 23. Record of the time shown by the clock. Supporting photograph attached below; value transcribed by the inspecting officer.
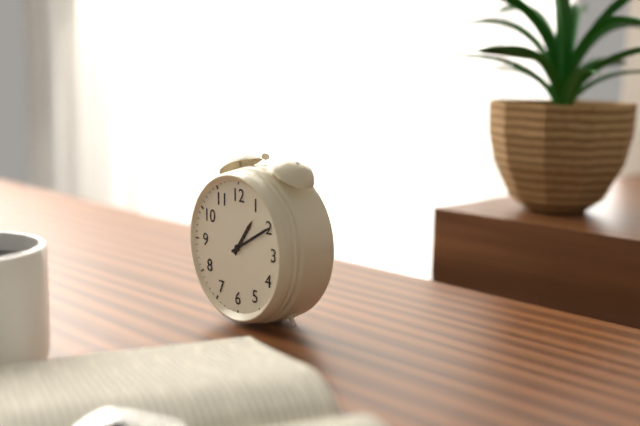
1:10
